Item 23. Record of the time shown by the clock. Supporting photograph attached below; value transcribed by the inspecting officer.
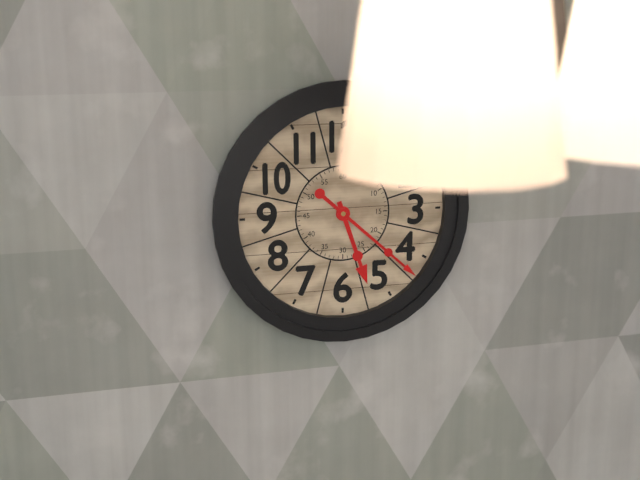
5:22
